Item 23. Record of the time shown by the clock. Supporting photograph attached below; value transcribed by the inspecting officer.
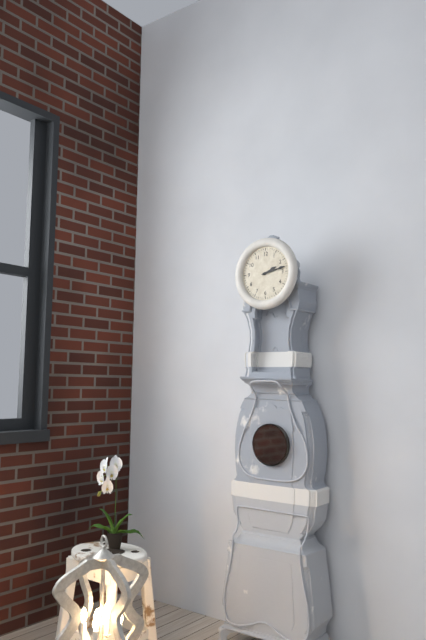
2:13
